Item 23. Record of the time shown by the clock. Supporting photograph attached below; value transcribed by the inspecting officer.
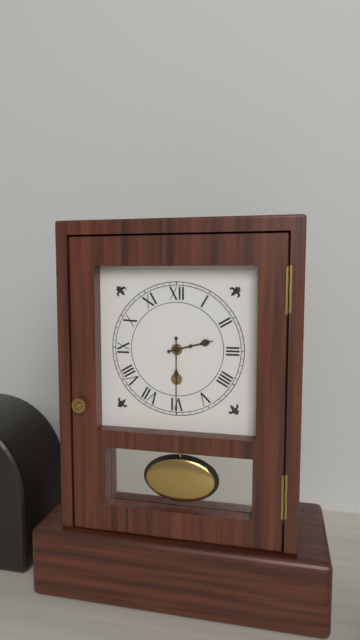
2:30
